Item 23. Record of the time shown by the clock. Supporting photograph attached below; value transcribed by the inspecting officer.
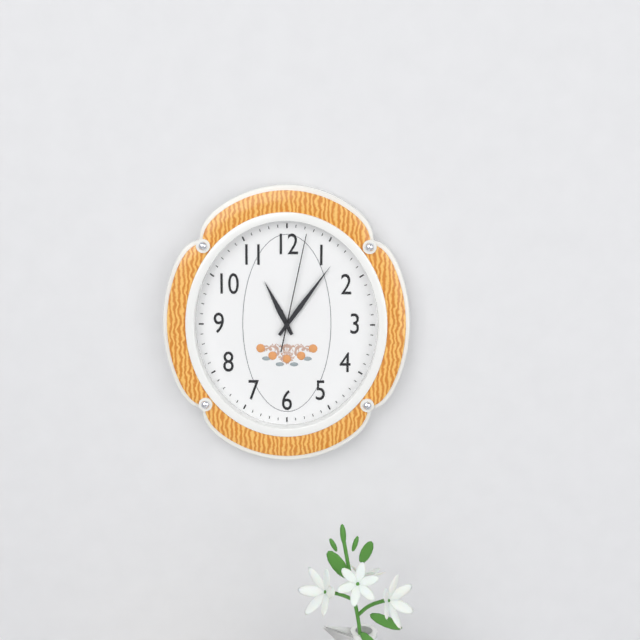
11:06:02
